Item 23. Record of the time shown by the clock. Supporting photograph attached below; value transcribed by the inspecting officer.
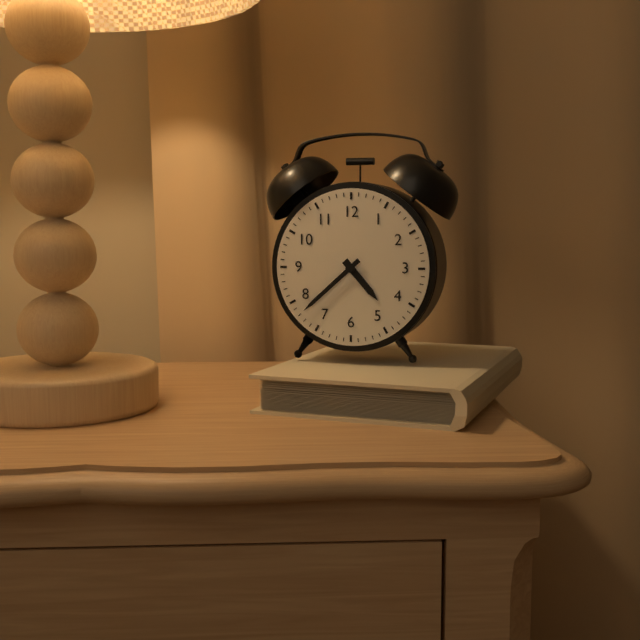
4:38
